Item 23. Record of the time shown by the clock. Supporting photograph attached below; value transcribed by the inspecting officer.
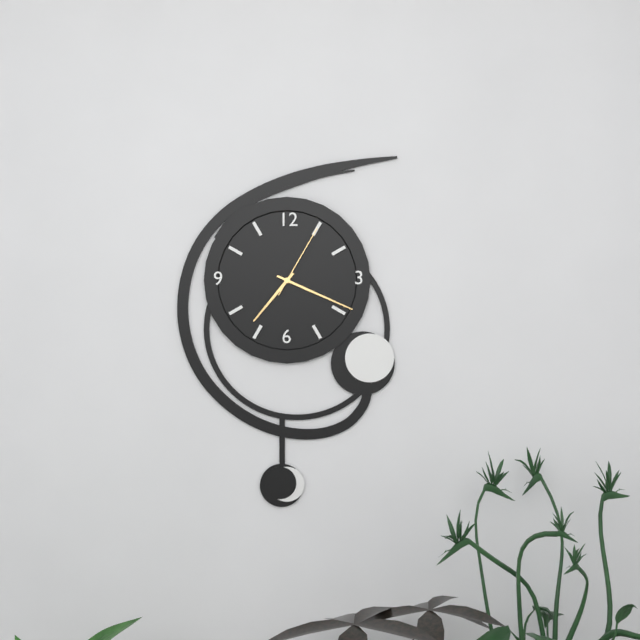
7:19:05
